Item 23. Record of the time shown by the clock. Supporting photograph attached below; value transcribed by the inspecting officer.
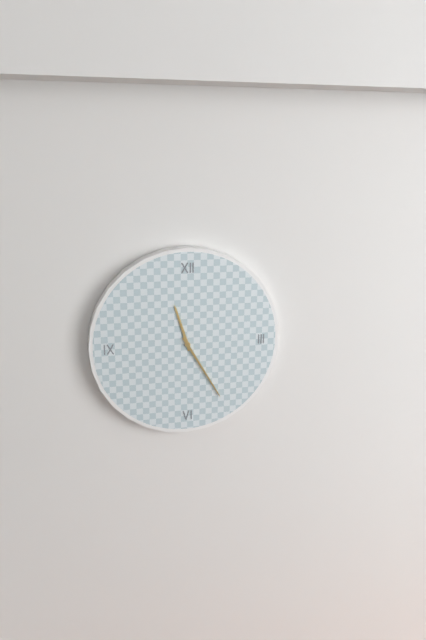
11:25
